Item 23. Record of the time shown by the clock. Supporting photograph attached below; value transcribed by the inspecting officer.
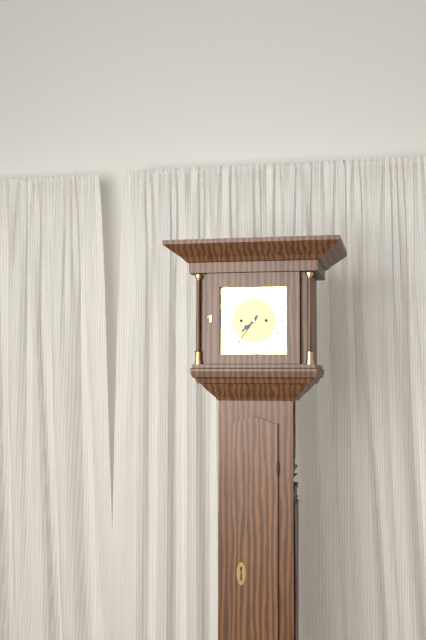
7:36
